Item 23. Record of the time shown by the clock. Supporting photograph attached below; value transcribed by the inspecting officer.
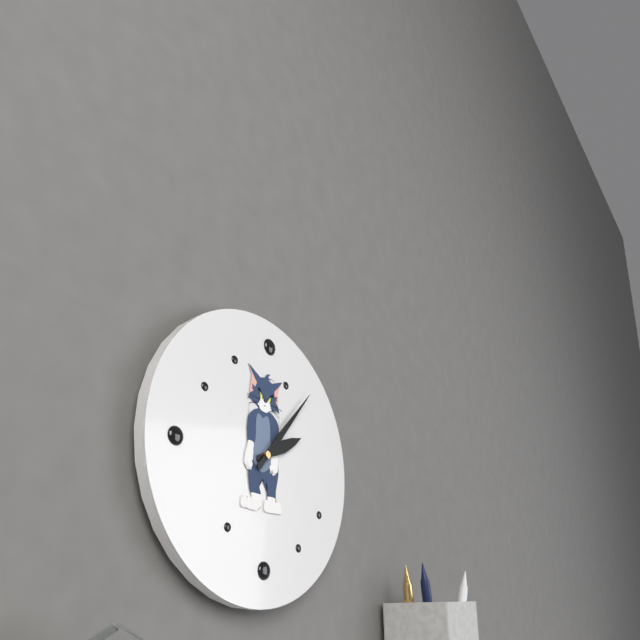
2:07
